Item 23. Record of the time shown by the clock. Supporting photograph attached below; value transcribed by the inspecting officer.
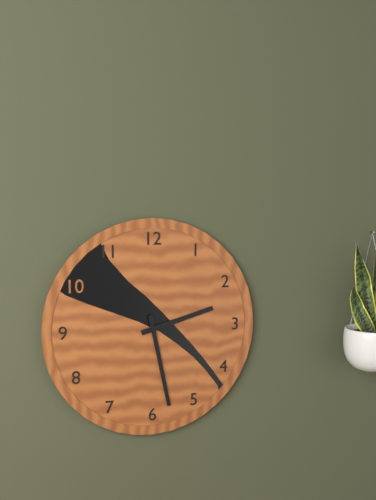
2:28
